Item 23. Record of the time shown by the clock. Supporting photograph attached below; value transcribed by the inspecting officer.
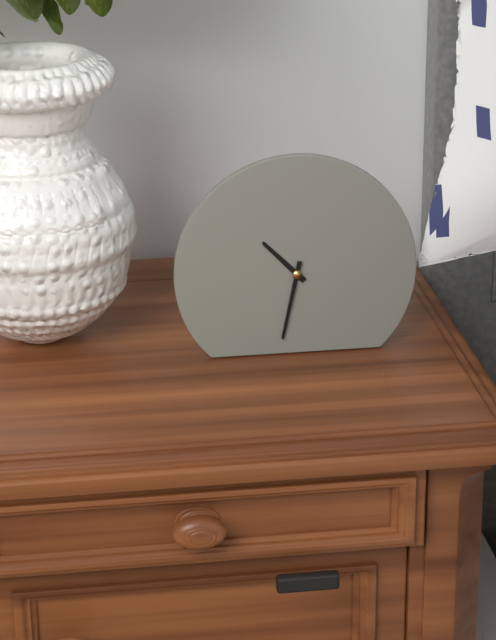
10:32
